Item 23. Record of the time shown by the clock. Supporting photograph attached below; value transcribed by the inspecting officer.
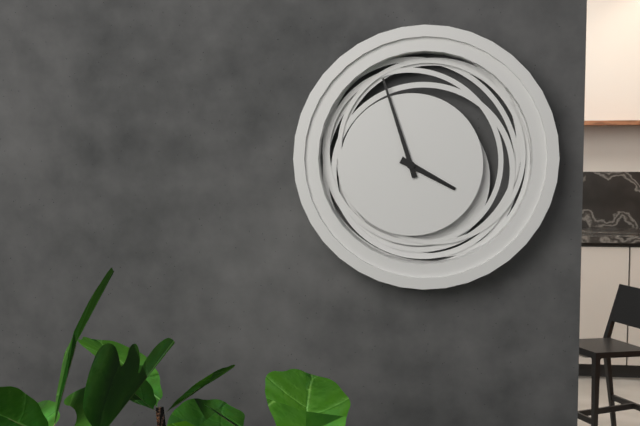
3:57
